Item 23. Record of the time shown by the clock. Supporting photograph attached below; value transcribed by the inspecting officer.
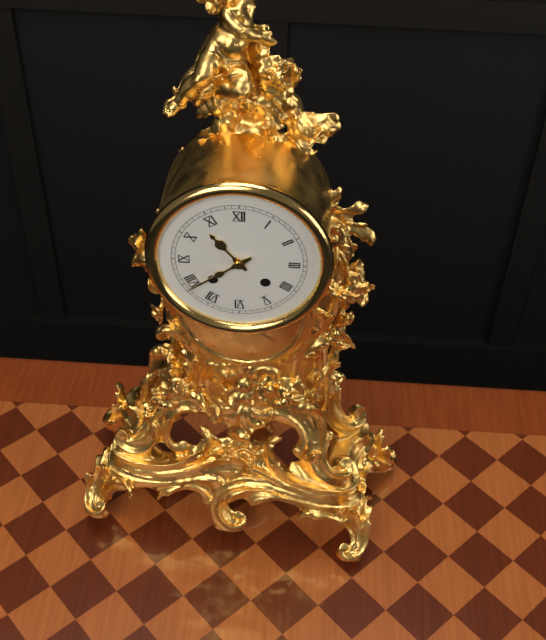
10:39
